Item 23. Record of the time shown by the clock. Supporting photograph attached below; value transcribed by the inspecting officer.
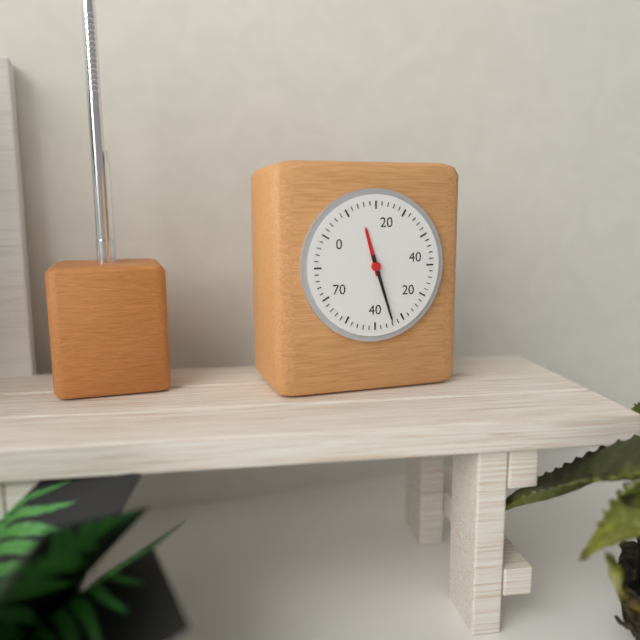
11:27
